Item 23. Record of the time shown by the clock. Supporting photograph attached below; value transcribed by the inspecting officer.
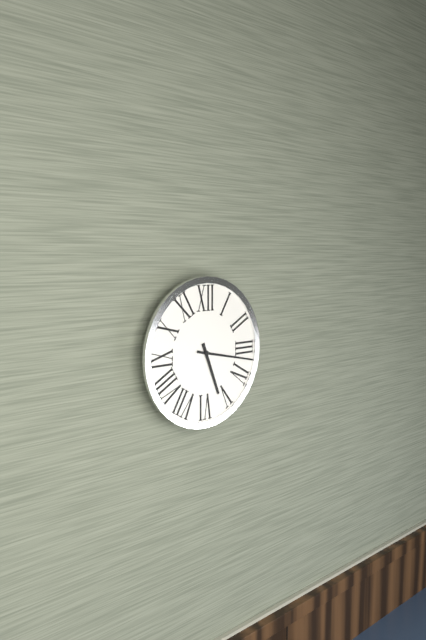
5:17
